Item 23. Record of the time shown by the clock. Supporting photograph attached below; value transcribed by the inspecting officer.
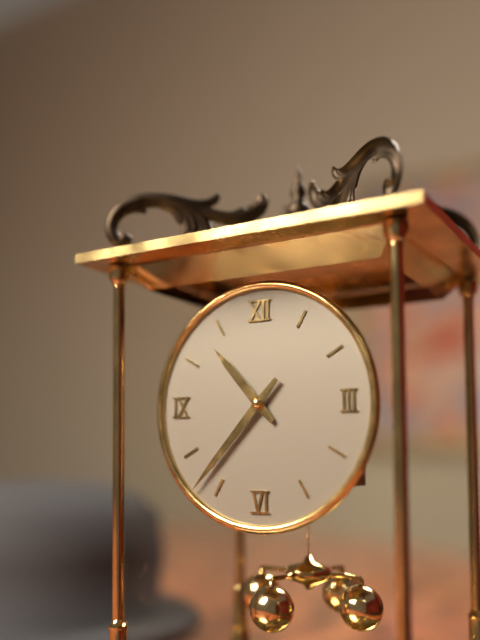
10:37
